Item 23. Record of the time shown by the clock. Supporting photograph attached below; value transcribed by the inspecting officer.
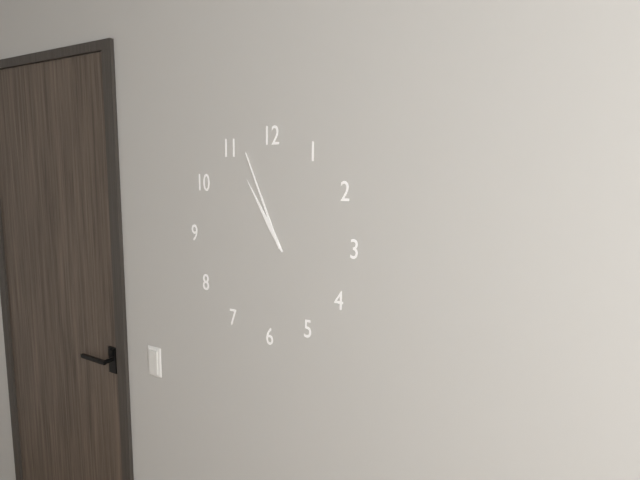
10:56
